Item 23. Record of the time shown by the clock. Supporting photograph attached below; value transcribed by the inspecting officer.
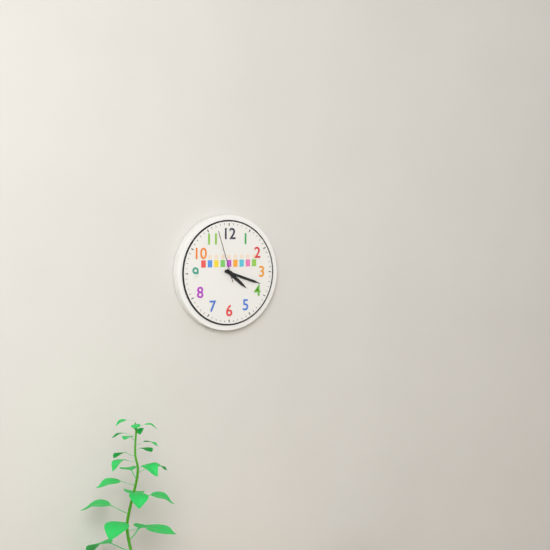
4:18:57
